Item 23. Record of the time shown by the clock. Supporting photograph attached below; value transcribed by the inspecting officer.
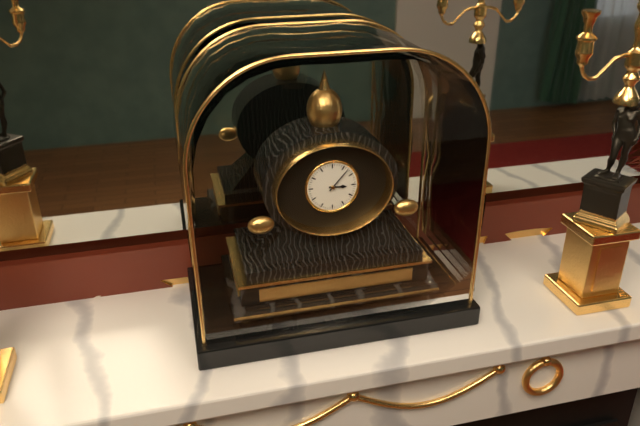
3:07
